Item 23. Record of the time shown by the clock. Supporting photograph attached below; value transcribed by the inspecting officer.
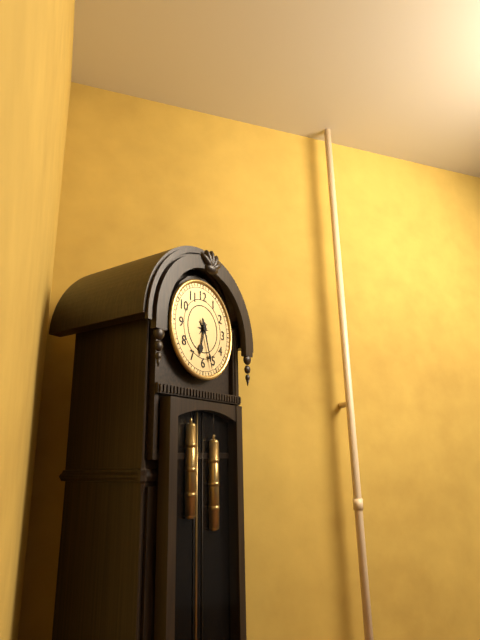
6:27
